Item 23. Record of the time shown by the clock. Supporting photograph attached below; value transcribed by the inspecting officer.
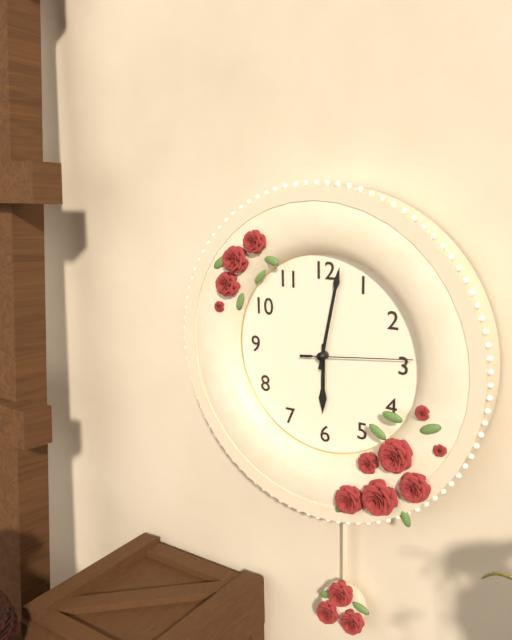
6:02:14
